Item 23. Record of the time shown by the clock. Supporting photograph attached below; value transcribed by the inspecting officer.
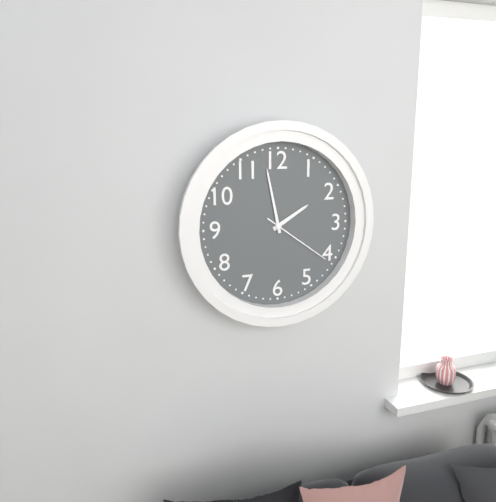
1:58:21
